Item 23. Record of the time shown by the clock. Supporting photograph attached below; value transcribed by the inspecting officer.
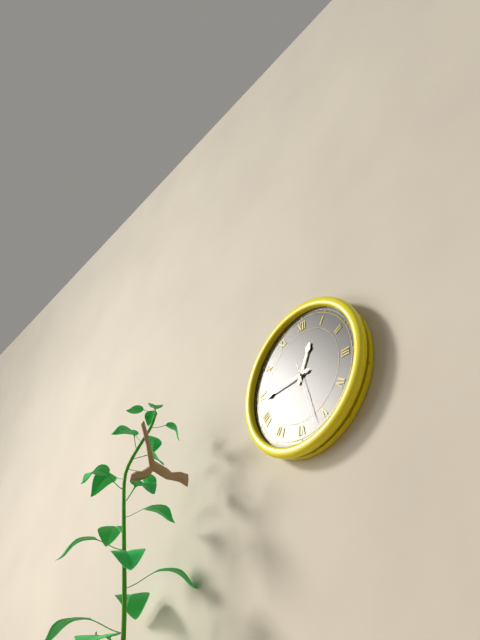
12:44:27
